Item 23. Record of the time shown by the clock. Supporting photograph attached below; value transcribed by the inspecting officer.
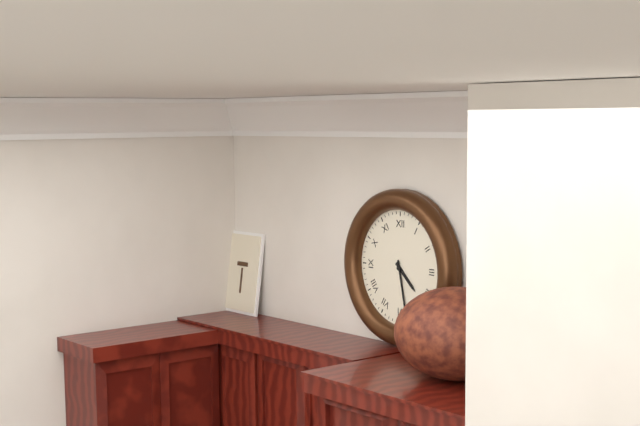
4:28
